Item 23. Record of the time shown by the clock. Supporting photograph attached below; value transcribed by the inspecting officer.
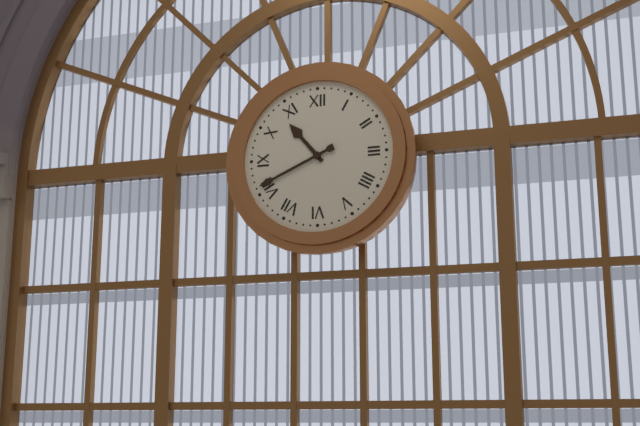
10:41
